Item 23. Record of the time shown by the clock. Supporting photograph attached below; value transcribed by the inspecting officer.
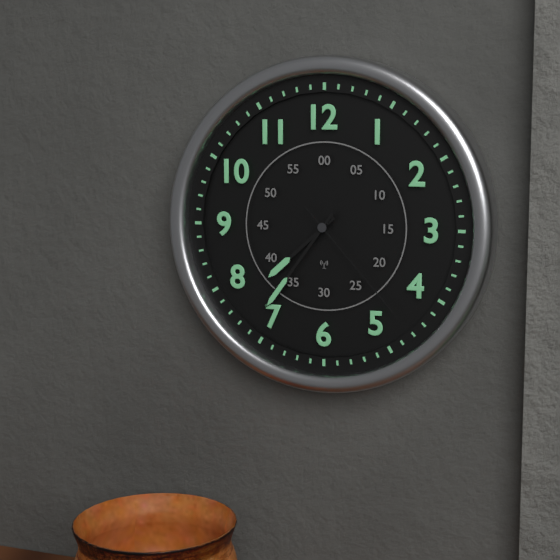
7:36:23
